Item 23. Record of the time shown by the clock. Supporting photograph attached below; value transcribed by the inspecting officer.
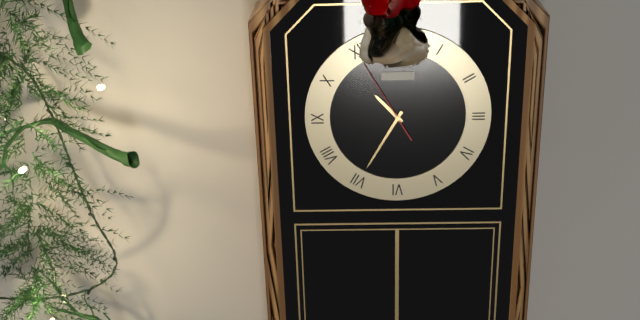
10:35:55
